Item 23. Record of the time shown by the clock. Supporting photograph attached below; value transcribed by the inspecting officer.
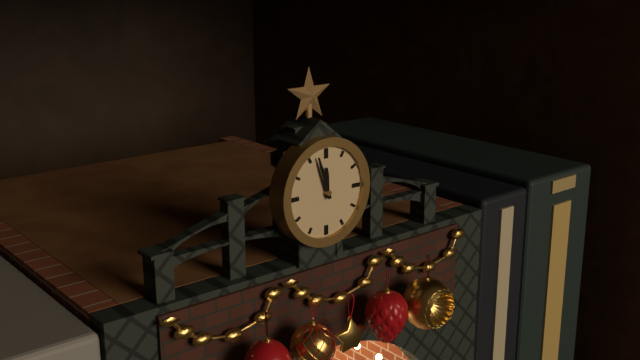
11:57
